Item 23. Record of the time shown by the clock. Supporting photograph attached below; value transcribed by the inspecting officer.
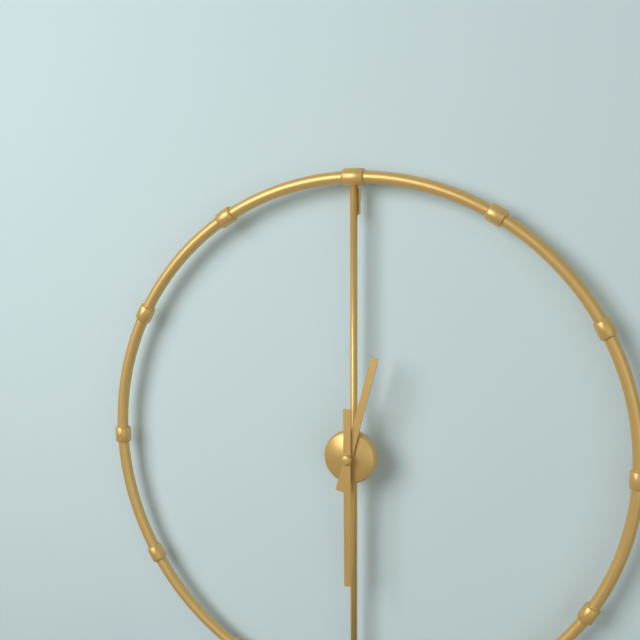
12:30
